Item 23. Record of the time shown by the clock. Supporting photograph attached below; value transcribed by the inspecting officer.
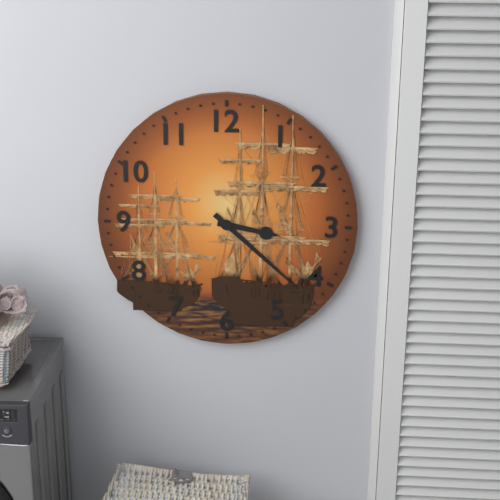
3:22
